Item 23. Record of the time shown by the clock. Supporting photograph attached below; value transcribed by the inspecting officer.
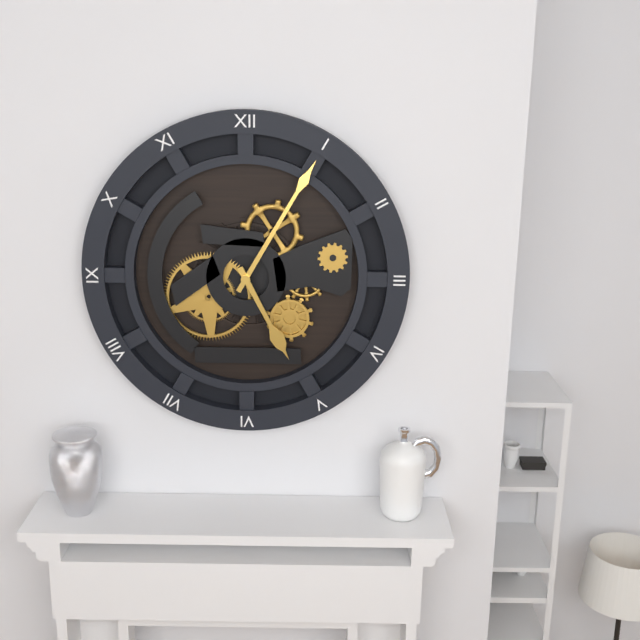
5:05
